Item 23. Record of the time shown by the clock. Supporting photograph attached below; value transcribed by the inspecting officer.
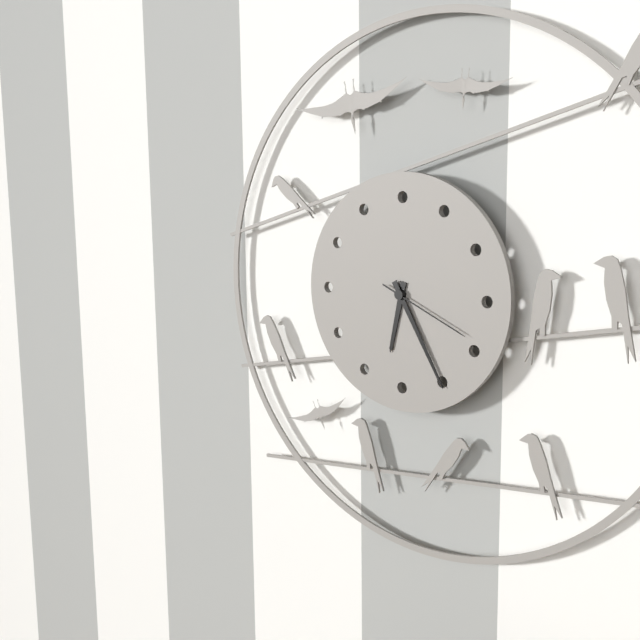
6:25:19
